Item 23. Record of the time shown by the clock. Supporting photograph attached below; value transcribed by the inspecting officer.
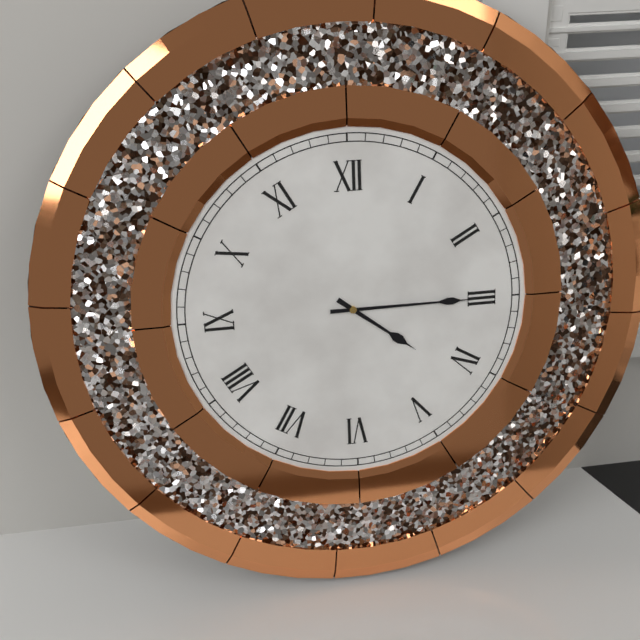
4:15
